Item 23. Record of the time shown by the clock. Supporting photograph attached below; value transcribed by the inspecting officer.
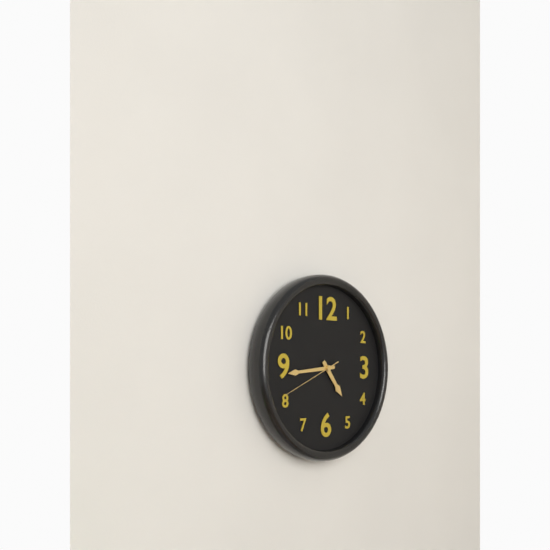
4:44:41
